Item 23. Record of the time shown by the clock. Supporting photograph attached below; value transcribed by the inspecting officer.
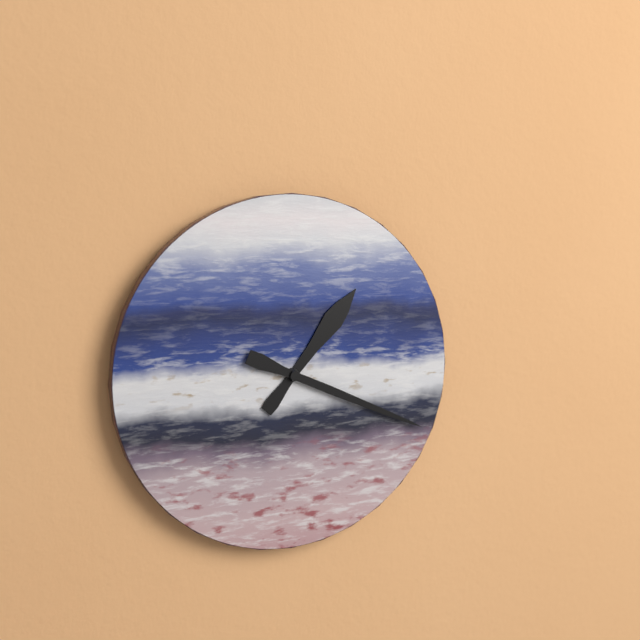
1:19
